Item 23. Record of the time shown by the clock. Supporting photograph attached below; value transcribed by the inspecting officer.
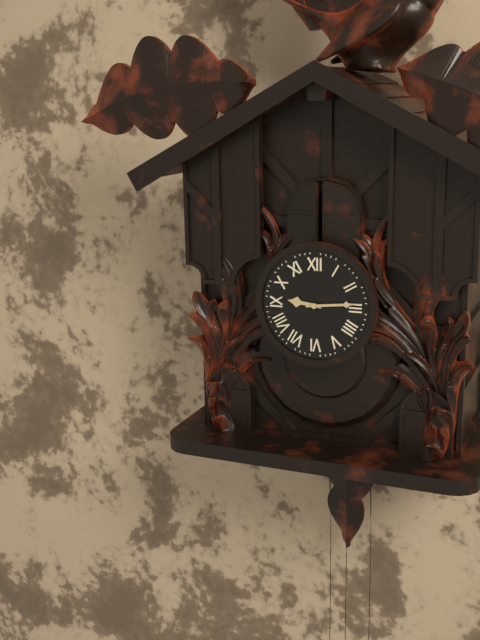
9:14
